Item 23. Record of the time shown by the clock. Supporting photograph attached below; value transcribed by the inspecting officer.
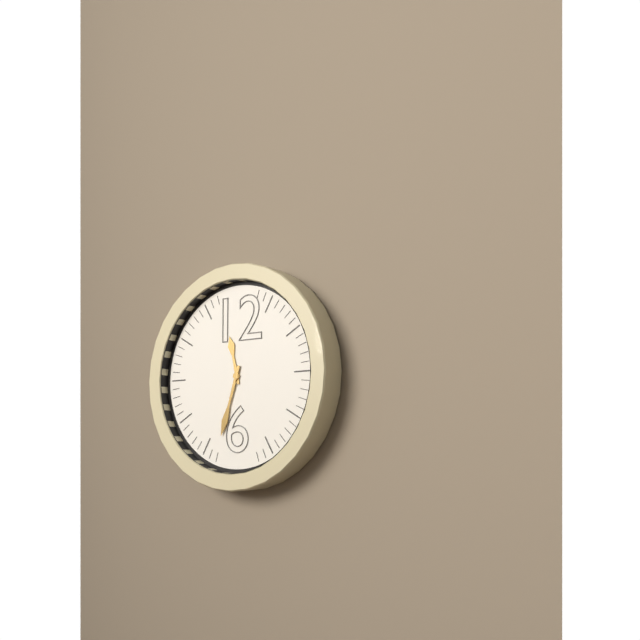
11:33
